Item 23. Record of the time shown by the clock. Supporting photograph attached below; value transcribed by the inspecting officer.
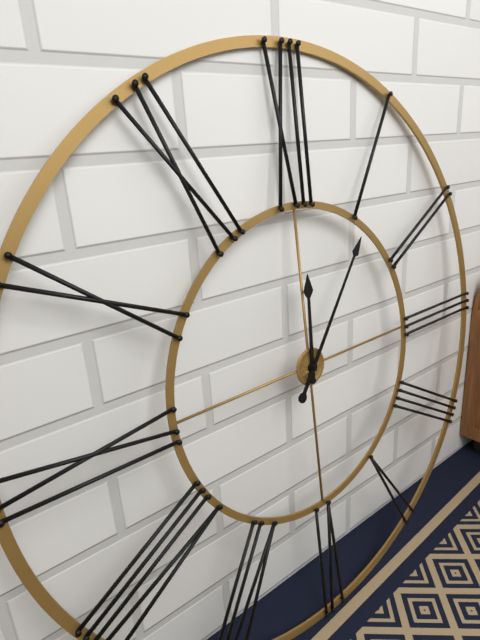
12:06
